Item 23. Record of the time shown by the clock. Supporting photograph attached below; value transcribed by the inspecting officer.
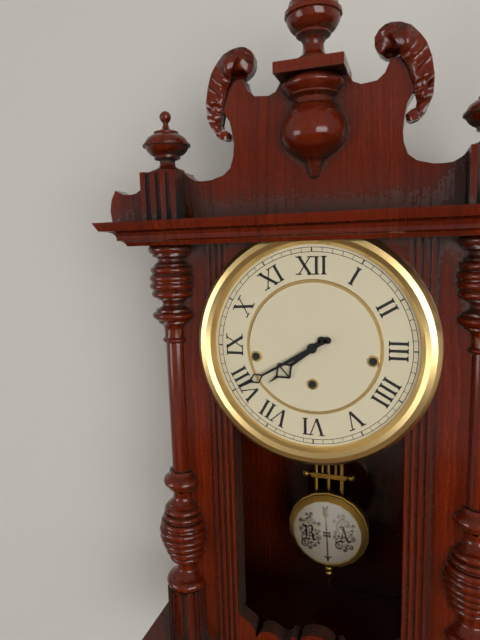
7:40
